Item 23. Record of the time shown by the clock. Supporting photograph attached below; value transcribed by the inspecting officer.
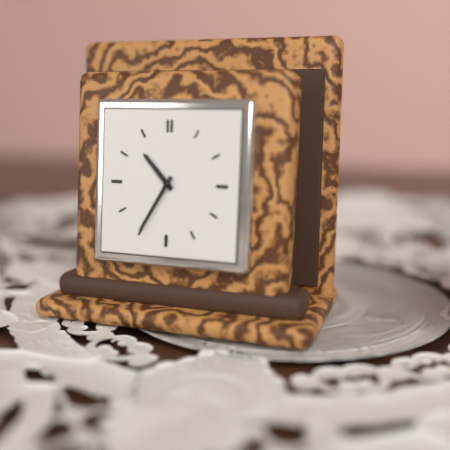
10:35
